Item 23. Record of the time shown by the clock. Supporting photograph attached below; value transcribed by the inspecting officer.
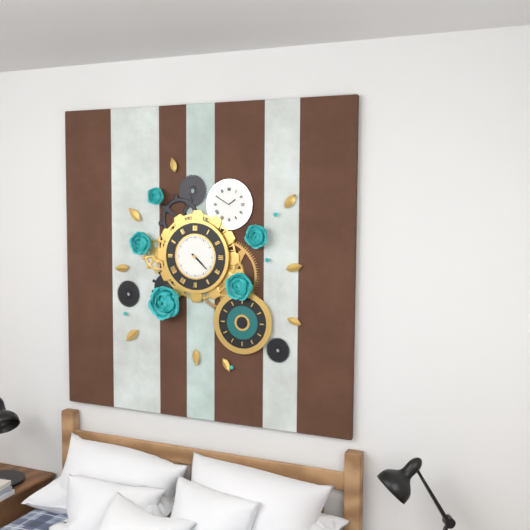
4:22
